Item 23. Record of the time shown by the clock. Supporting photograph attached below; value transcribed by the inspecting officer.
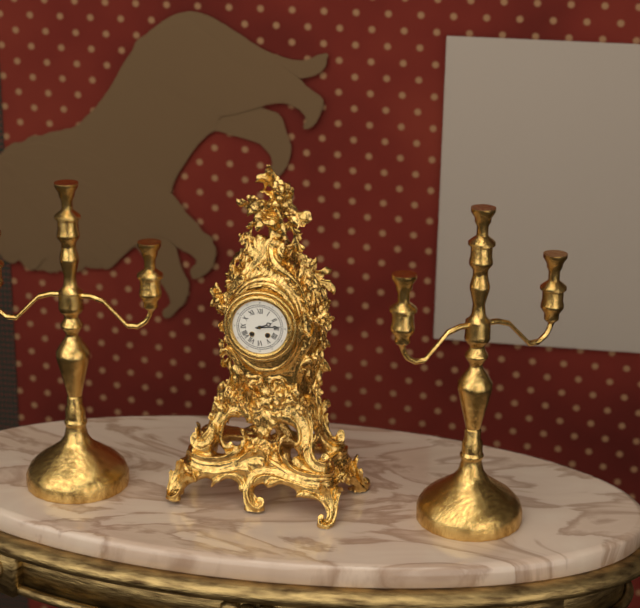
2:14
